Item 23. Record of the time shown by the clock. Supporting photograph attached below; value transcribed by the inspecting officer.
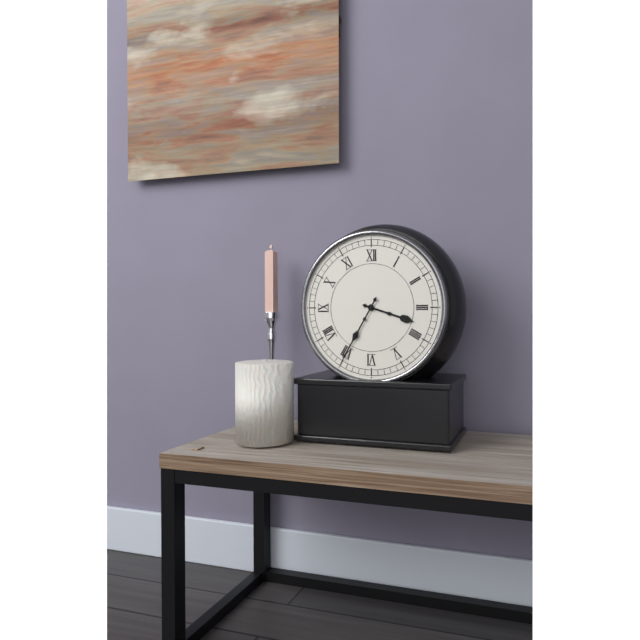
3:35
